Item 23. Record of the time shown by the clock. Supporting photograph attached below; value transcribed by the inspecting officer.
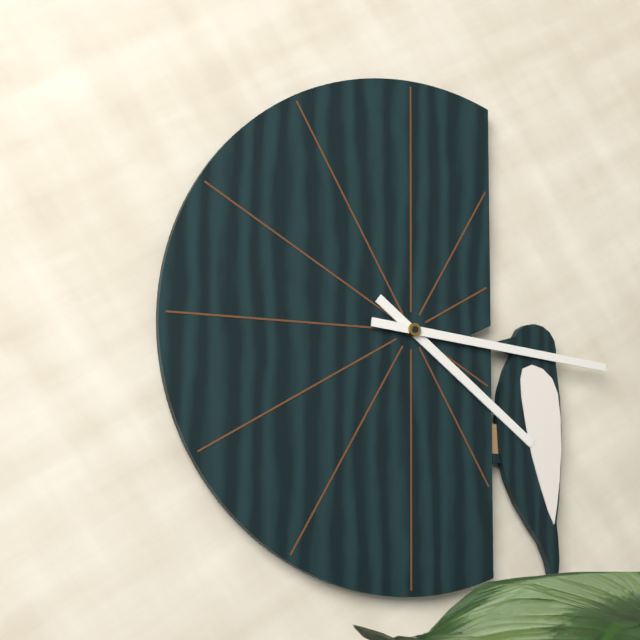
4:16
